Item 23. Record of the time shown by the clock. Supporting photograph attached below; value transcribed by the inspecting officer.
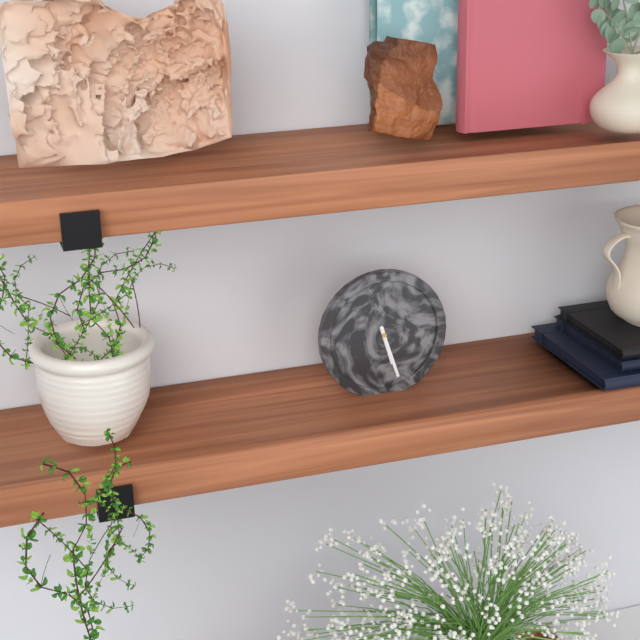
5:27
